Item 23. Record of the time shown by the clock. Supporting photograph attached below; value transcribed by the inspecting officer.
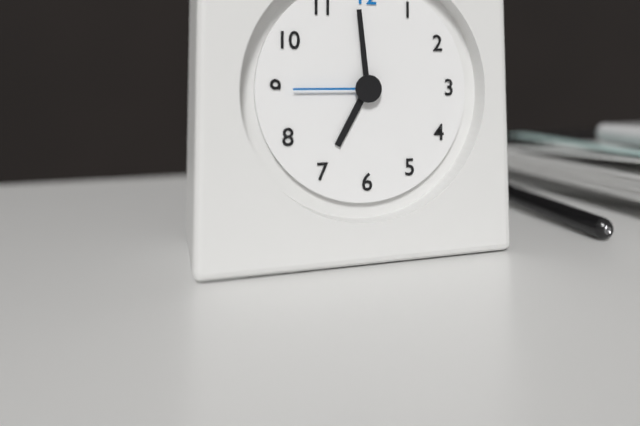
6:59:45
